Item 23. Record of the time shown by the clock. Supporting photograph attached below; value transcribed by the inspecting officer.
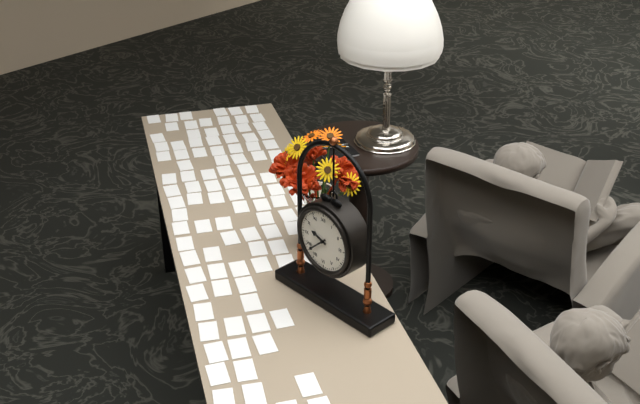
9:38
